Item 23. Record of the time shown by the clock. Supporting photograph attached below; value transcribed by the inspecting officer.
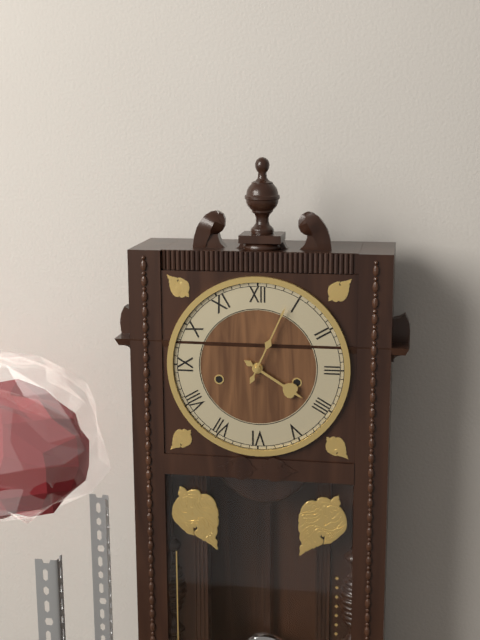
4:04
